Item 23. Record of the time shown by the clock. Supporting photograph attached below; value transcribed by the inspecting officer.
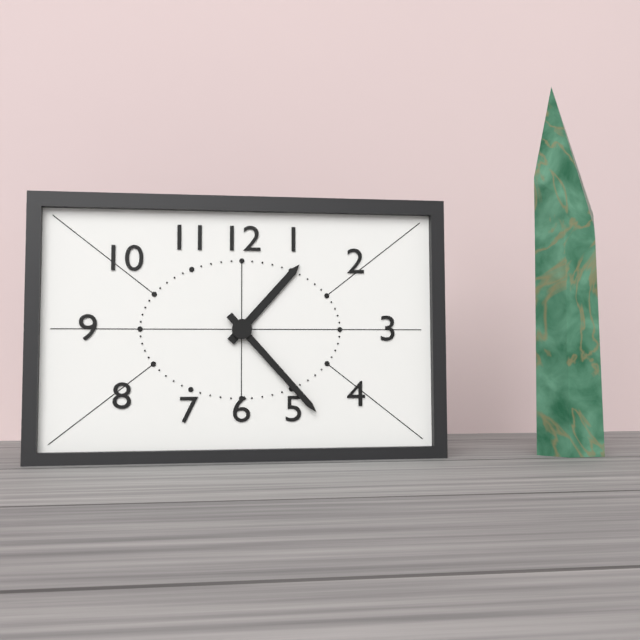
1:23
